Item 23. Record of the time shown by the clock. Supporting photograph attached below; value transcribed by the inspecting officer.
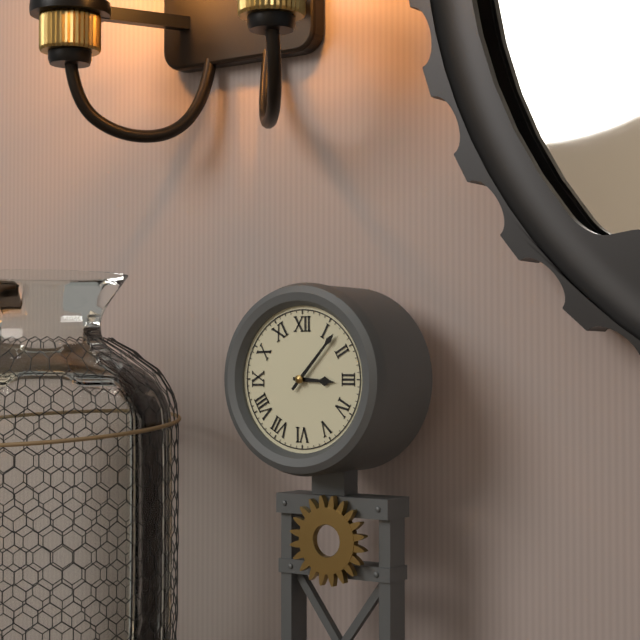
3:07
